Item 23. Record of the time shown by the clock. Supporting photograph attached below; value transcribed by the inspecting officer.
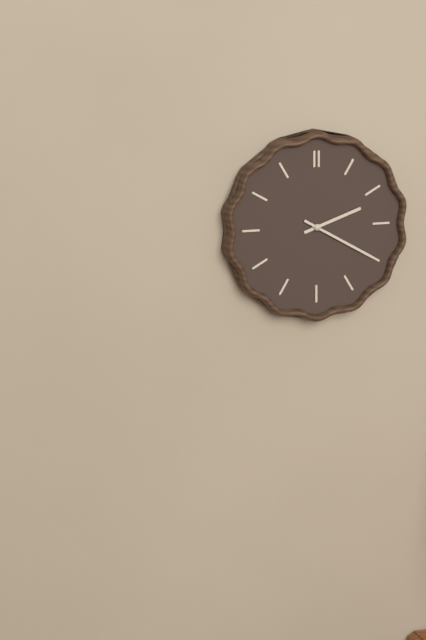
2:20
